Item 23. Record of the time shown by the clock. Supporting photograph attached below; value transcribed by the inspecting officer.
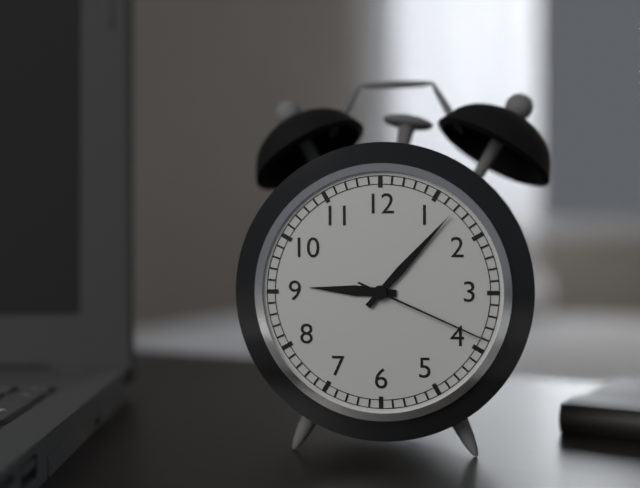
9:07:19
